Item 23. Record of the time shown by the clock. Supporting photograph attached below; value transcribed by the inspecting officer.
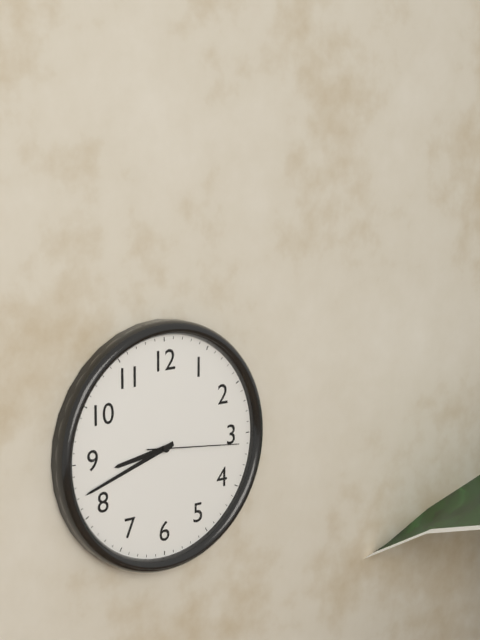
8:42:16
